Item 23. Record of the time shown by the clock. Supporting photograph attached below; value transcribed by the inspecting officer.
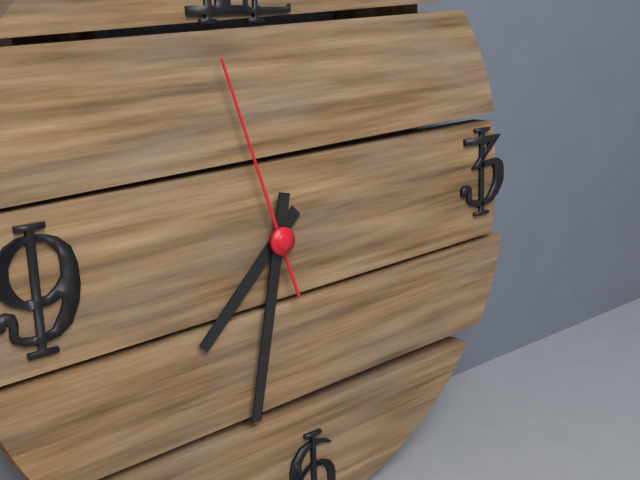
7:32:57
